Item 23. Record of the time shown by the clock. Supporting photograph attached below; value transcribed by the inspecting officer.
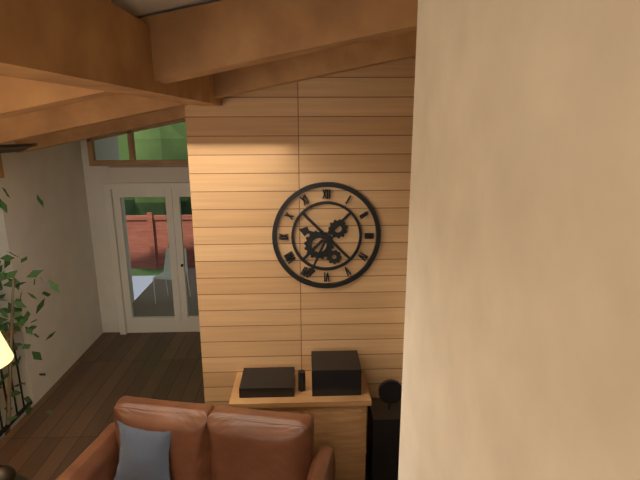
9:34
